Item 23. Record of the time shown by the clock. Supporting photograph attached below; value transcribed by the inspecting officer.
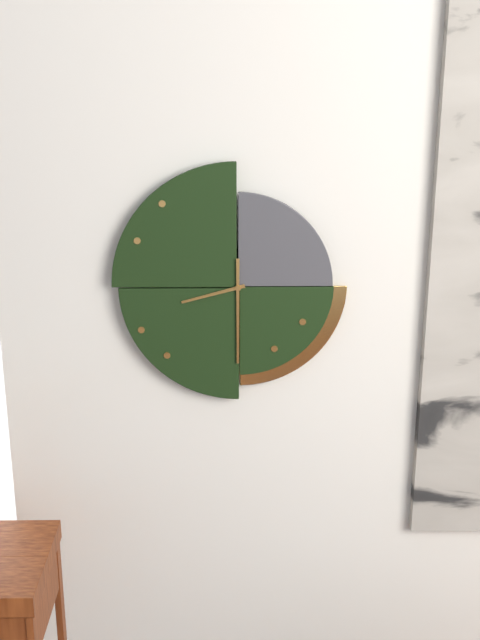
8:30
